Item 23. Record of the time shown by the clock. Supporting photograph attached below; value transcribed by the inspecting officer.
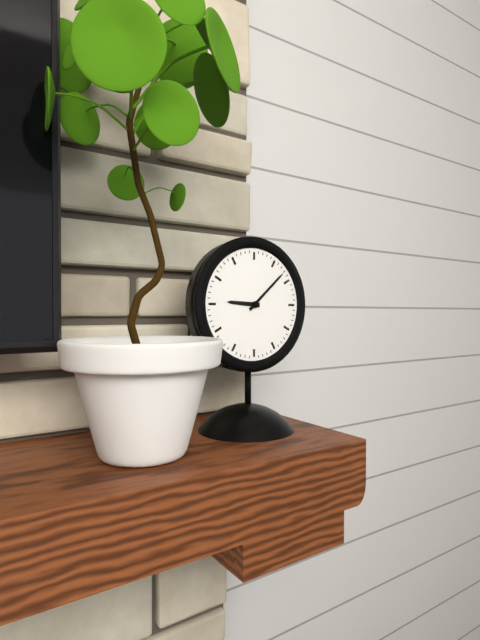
9:08
